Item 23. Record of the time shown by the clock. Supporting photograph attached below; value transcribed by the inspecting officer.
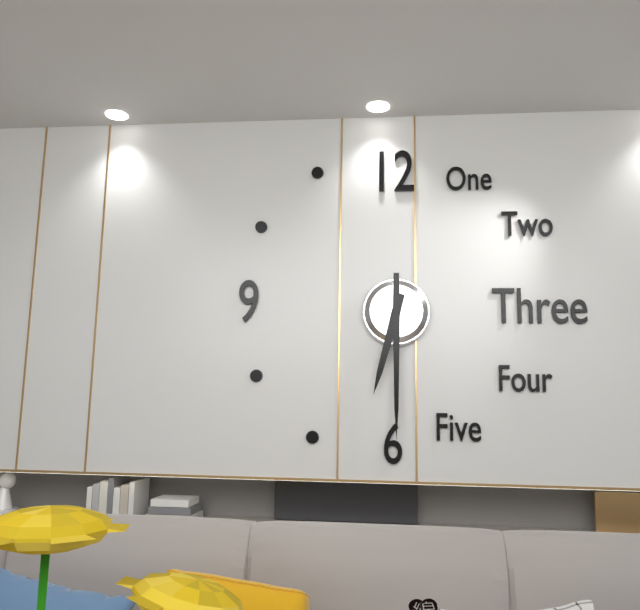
6:30
